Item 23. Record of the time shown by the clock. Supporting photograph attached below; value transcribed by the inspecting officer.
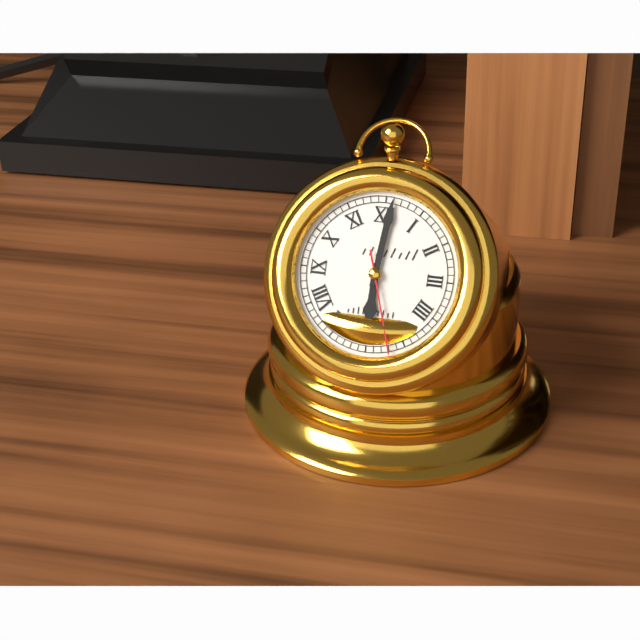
6:01:27
